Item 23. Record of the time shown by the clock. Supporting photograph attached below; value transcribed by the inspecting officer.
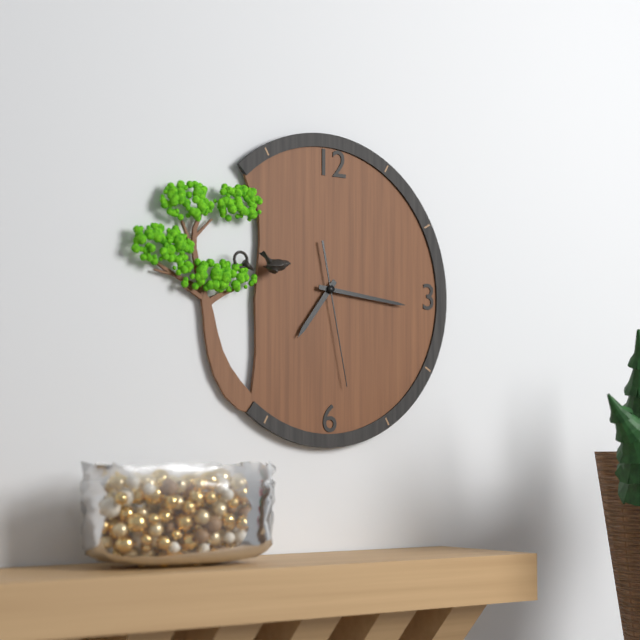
7:16:28
